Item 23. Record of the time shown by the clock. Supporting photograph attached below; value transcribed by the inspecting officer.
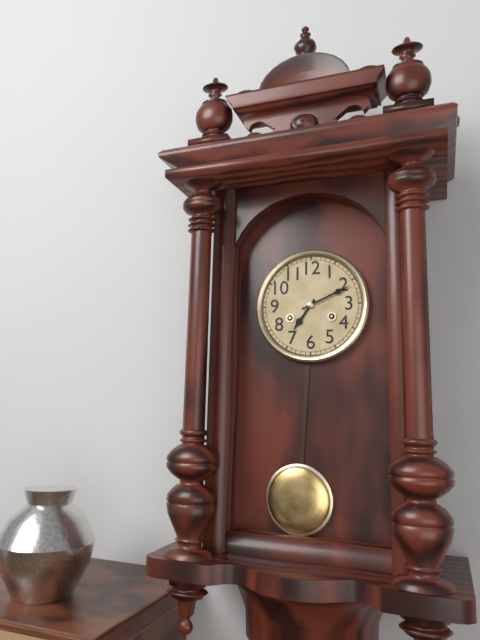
7:11
